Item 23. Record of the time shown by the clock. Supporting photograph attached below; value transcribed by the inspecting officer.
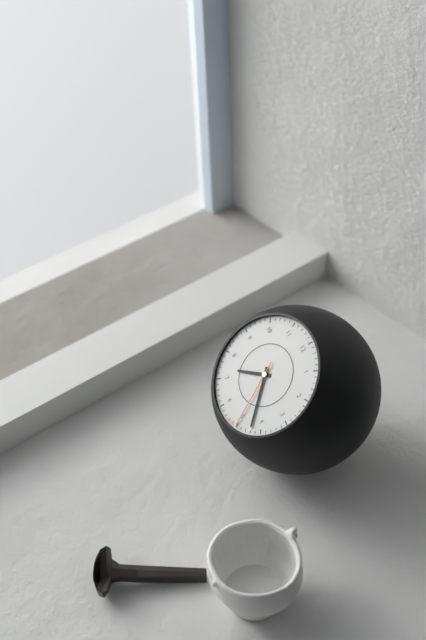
7:22:25
